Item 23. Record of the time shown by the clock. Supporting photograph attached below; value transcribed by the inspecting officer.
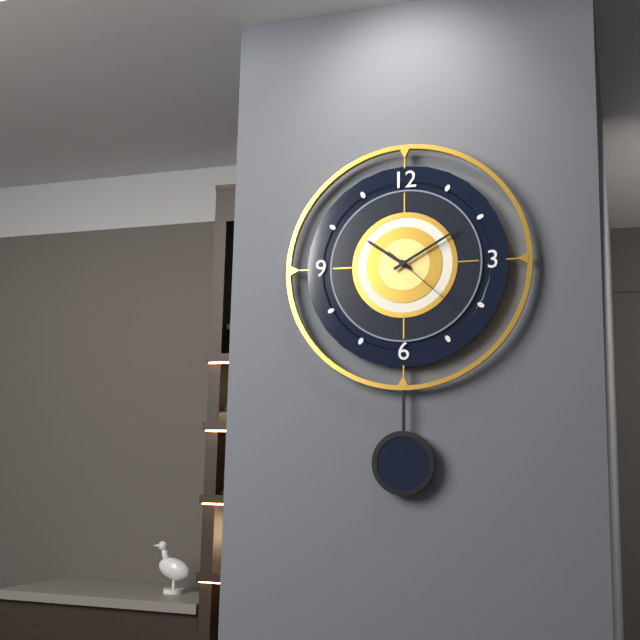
10:10:22
